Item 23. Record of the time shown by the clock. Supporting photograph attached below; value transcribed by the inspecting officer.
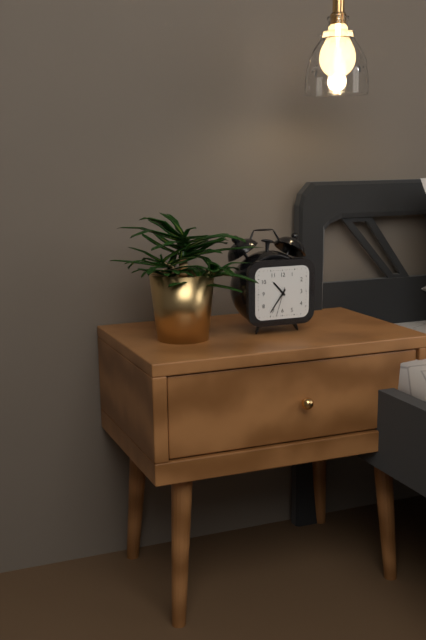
10:36
